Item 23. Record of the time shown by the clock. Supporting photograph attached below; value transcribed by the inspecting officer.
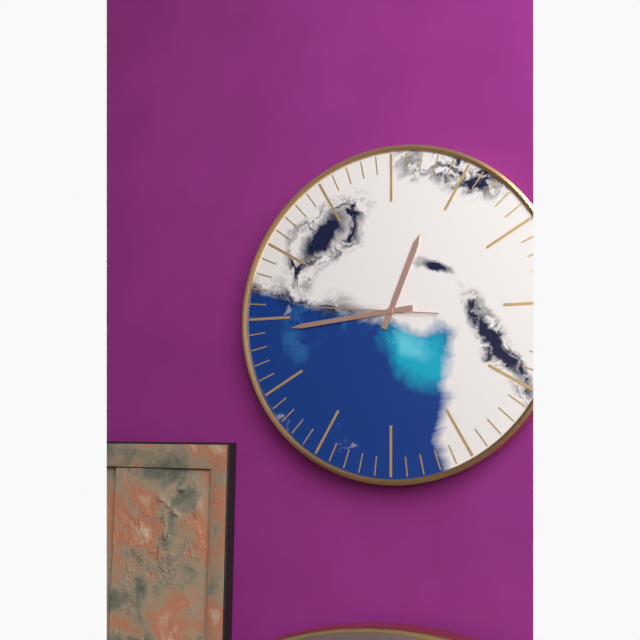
12:44:46
